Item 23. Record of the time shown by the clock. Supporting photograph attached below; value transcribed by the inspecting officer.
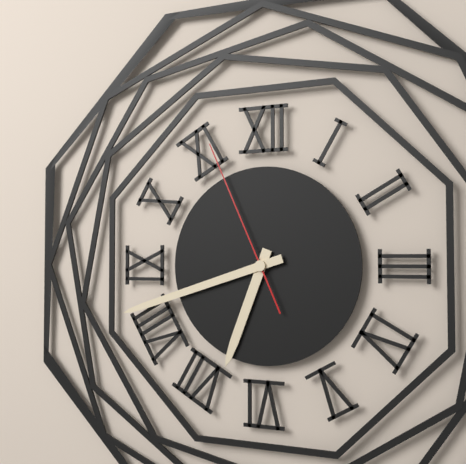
6:42:56
